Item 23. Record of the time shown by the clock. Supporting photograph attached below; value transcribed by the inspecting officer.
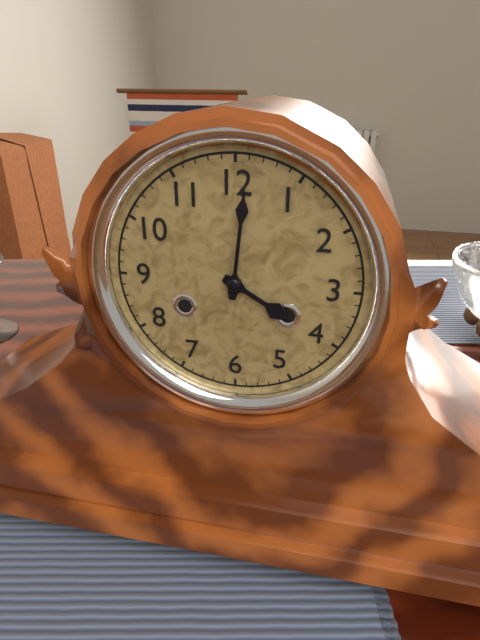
4:01
